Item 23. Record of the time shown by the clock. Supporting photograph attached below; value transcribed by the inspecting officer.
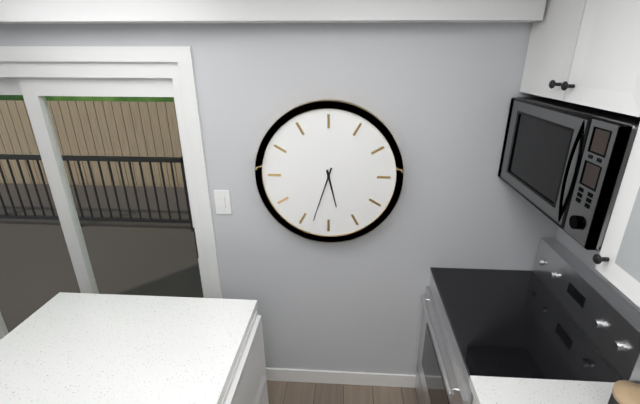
5:33
